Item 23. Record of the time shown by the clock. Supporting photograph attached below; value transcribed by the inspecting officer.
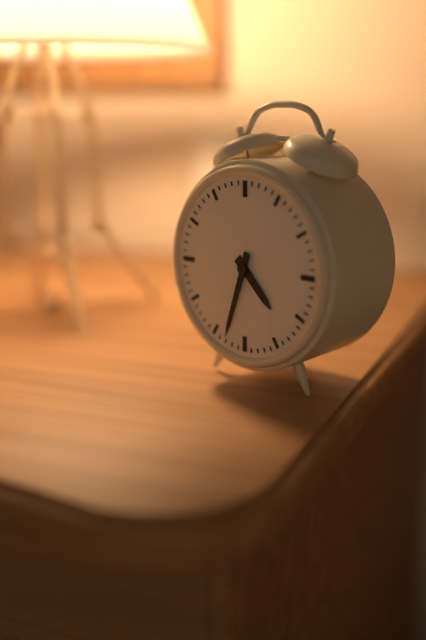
4:33
